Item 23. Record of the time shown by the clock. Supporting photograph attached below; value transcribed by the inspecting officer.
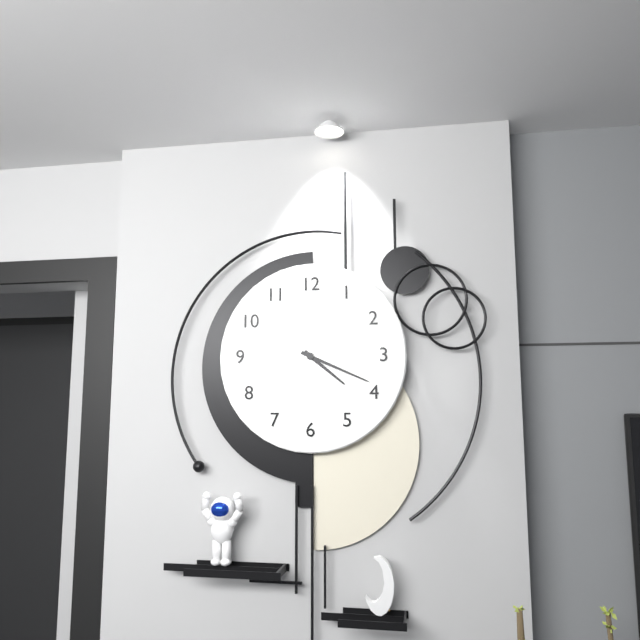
4:19
